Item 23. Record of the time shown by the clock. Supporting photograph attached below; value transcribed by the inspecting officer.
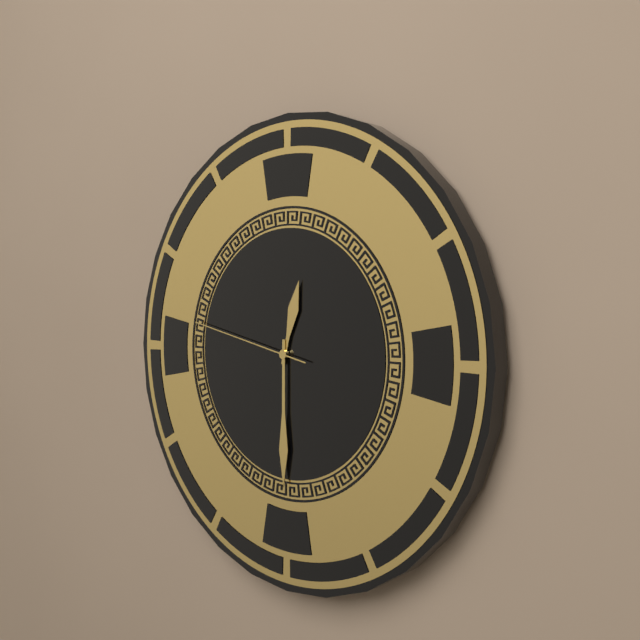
12:30:47
